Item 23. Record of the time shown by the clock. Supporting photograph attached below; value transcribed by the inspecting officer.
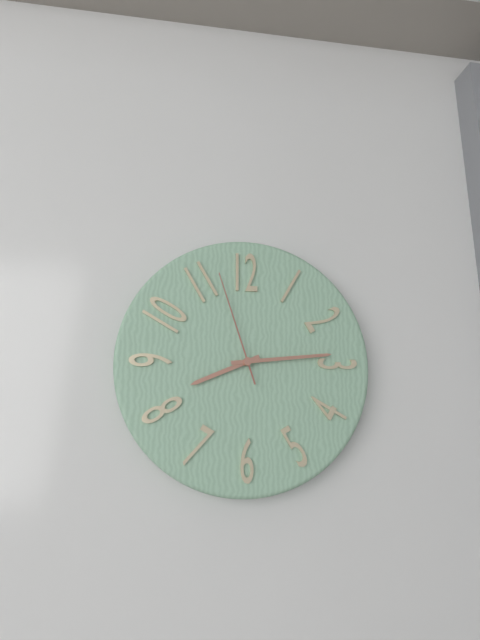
8:14:57
